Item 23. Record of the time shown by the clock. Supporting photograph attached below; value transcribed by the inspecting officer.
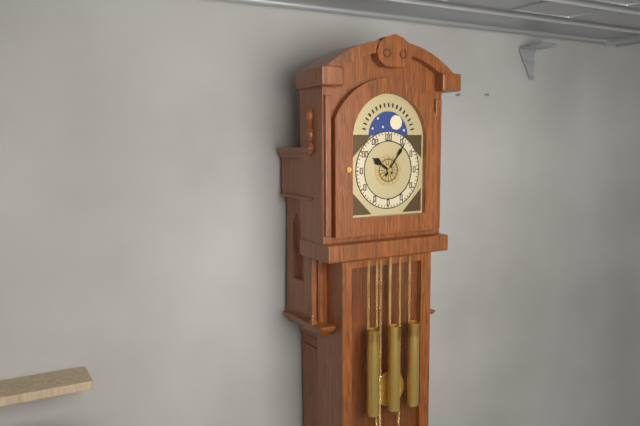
10:06
